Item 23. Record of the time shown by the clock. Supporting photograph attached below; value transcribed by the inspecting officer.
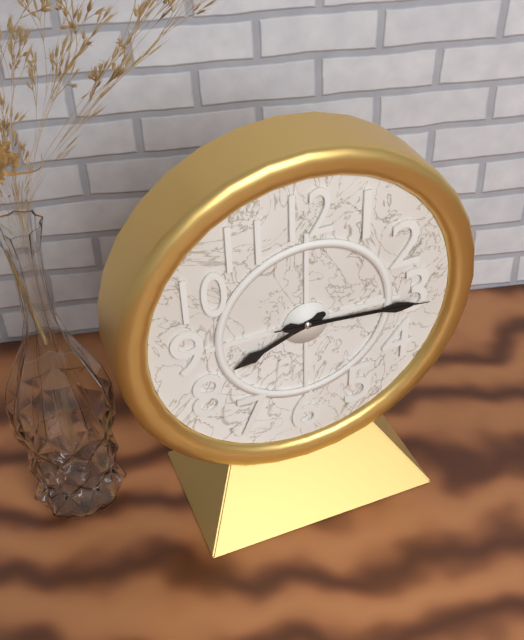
8:16:16
